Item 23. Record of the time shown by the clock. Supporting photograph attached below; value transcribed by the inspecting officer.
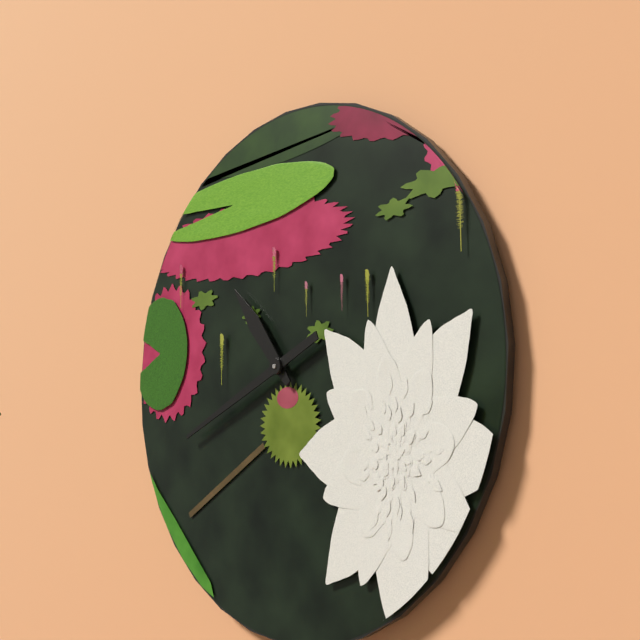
10:41
